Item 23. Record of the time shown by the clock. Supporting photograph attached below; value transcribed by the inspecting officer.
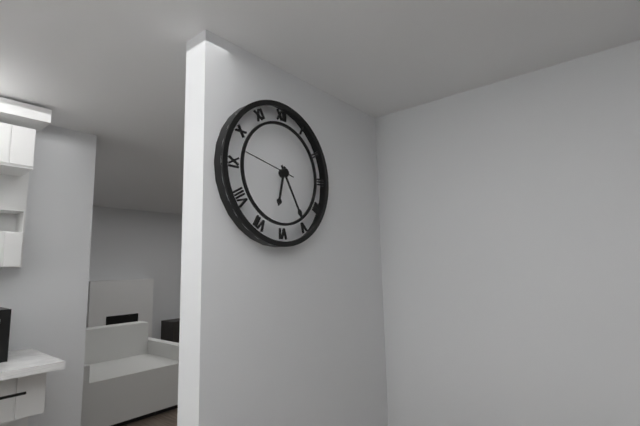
6:25:47
